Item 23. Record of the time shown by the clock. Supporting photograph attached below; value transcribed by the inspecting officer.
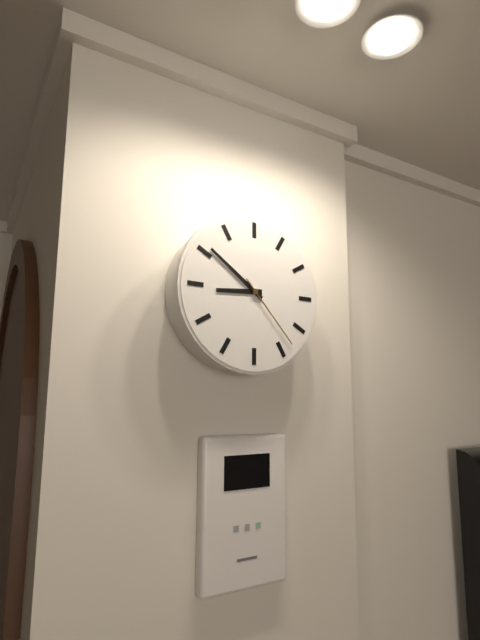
8:51:23
